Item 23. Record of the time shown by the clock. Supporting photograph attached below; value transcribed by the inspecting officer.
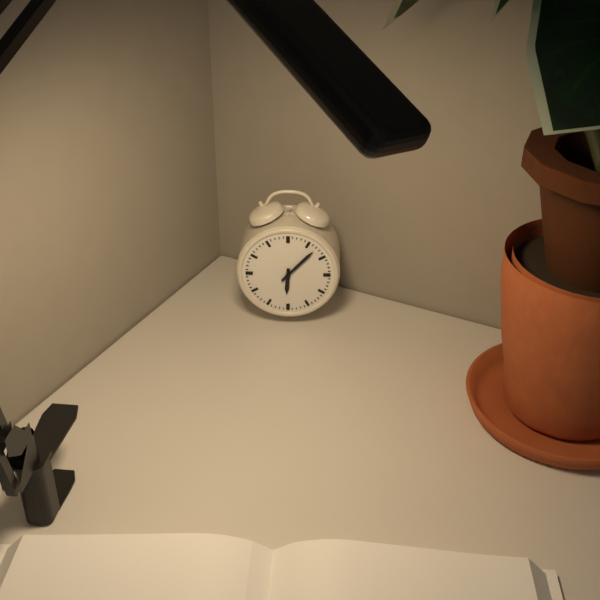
6:07
